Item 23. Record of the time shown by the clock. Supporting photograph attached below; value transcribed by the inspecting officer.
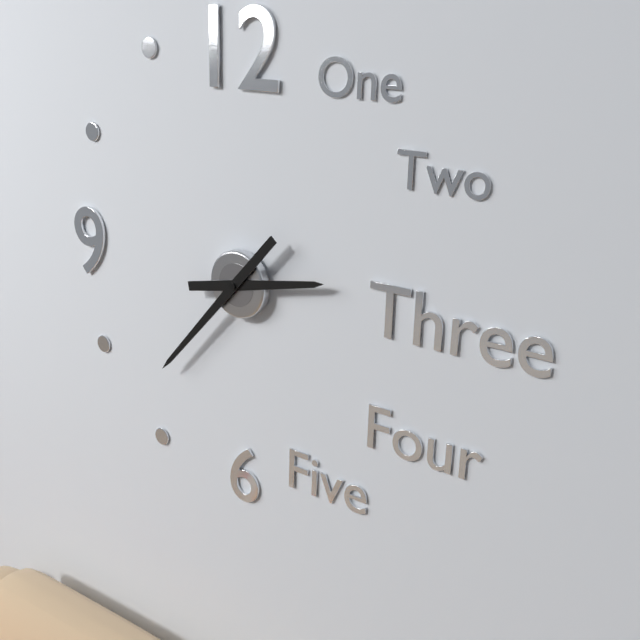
2:37
